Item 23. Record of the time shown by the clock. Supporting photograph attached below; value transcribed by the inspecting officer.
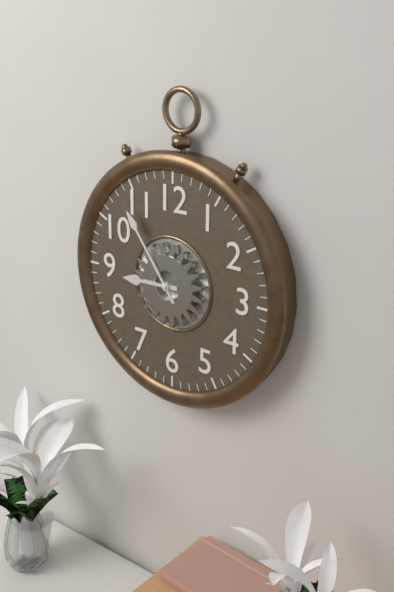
8:54
